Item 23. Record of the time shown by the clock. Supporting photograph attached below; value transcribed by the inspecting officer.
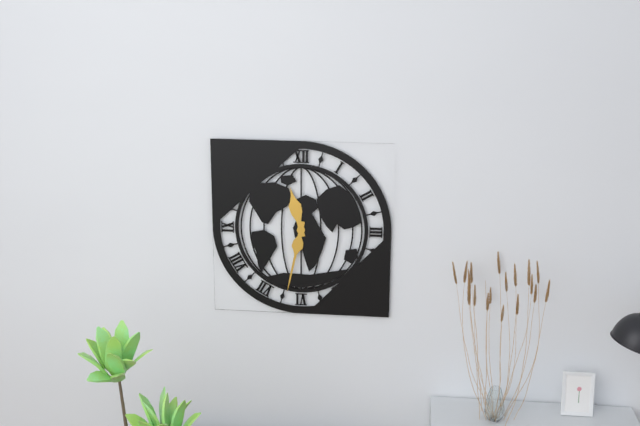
11:32
